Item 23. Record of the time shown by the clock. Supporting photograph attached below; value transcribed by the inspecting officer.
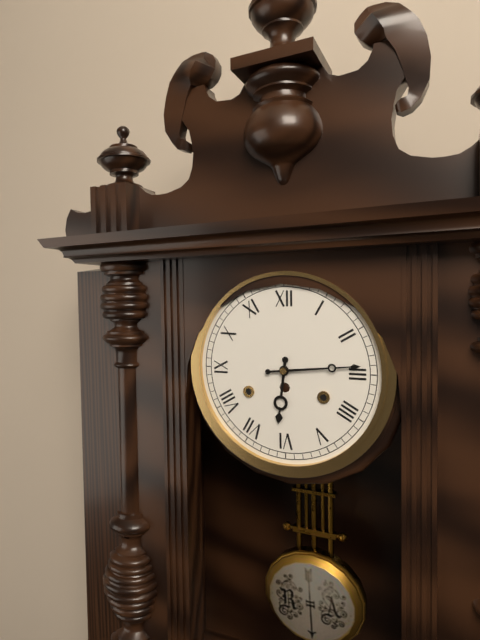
6:14
